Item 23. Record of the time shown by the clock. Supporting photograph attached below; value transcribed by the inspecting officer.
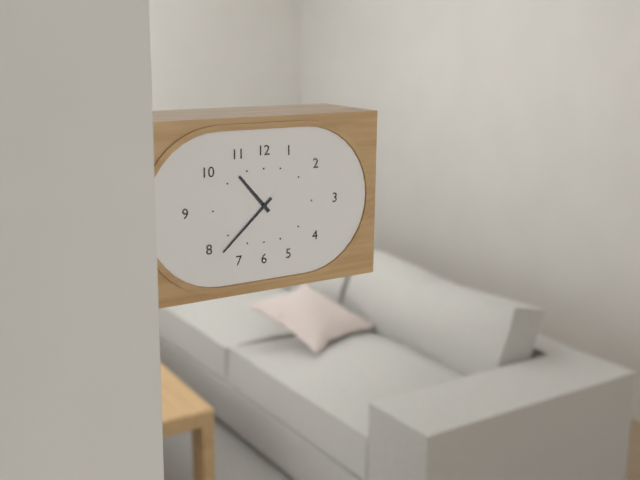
10:38
